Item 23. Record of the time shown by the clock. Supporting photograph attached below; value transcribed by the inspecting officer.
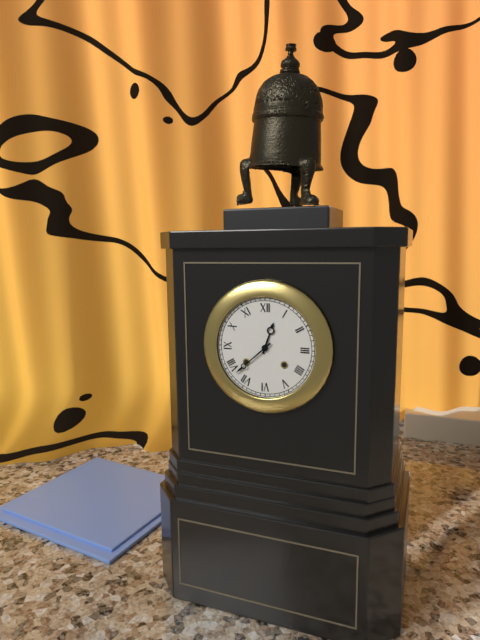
12:38
